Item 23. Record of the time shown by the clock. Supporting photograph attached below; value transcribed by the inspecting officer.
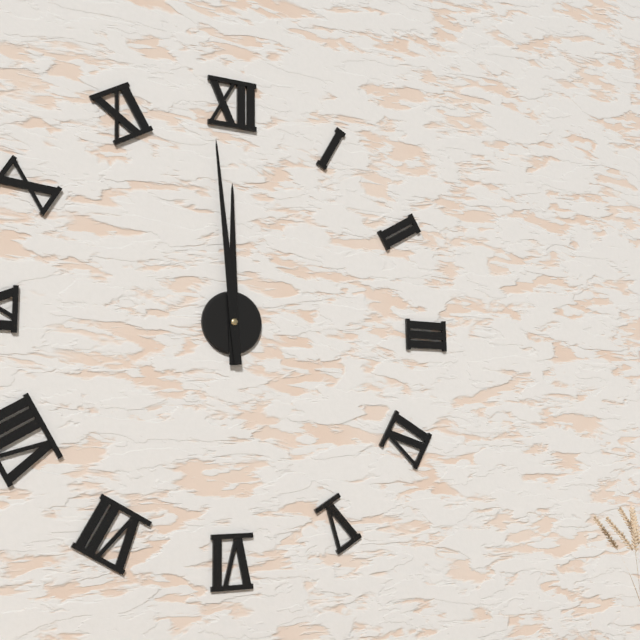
11:59
